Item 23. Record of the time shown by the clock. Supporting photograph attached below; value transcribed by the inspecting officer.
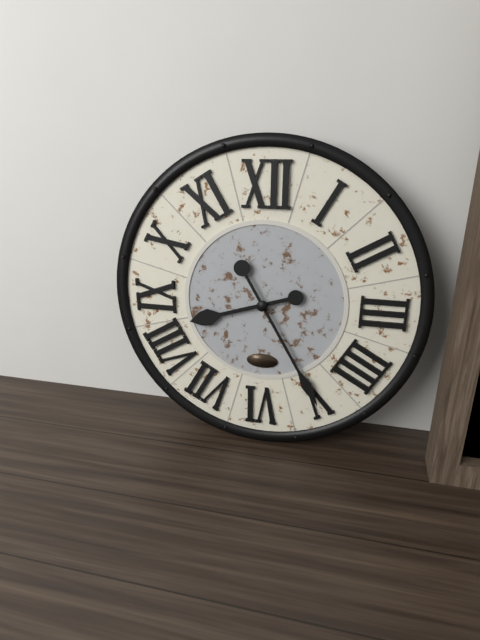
8:25
